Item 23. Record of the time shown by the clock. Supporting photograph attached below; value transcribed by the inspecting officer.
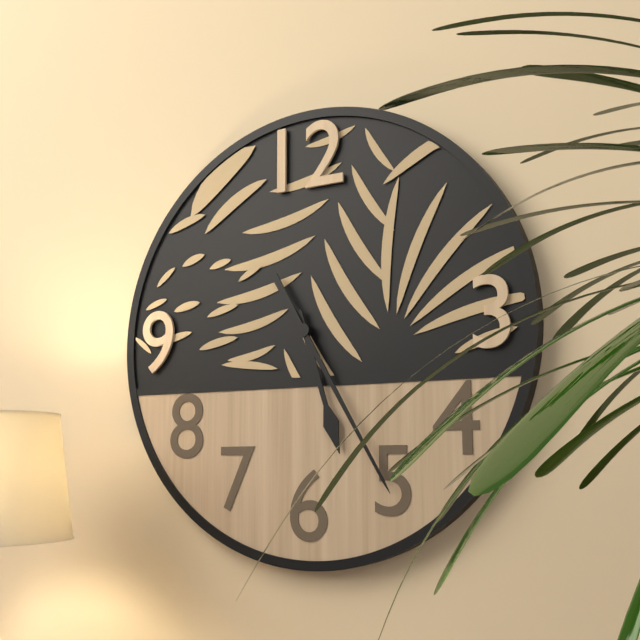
5:25
